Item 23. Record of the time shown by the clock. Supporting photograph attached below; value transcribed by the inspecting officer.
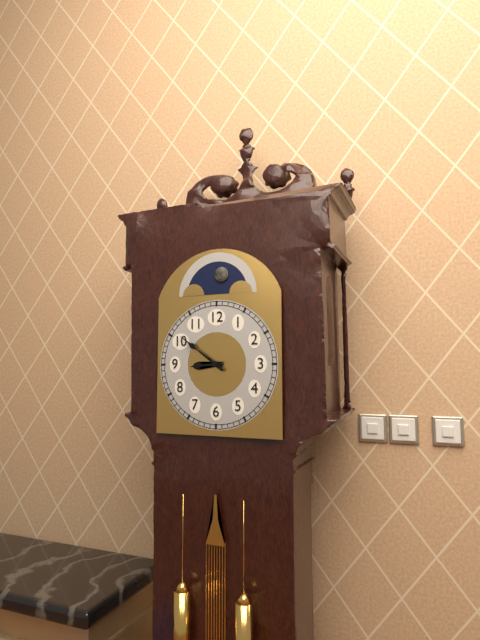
8:51
